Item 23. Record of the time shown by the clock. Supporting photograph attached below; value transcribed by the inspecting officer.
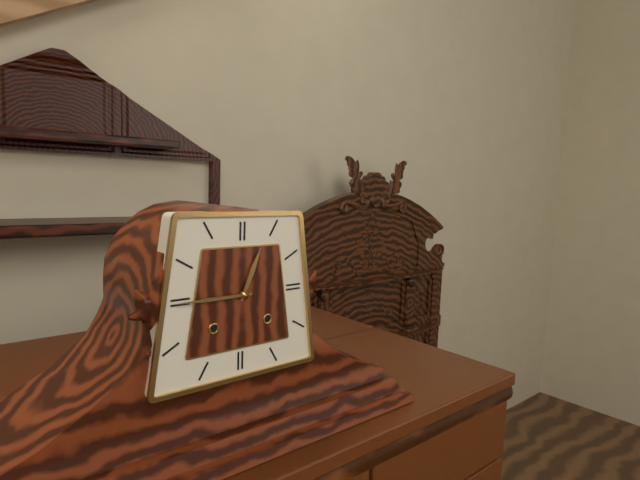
12:45
